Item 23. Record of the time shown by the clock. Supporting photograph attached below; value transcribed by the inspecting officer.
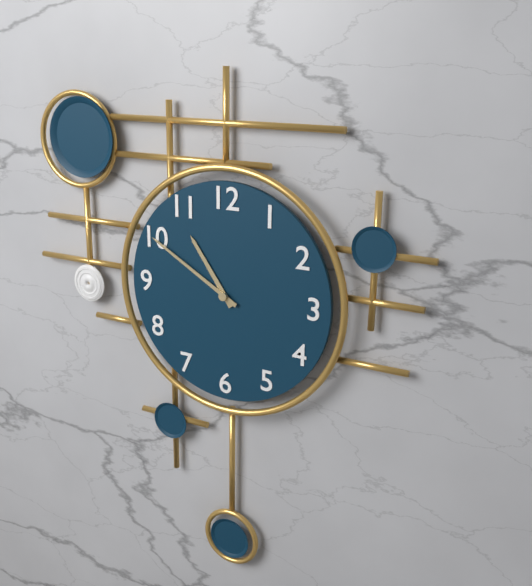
10:50
